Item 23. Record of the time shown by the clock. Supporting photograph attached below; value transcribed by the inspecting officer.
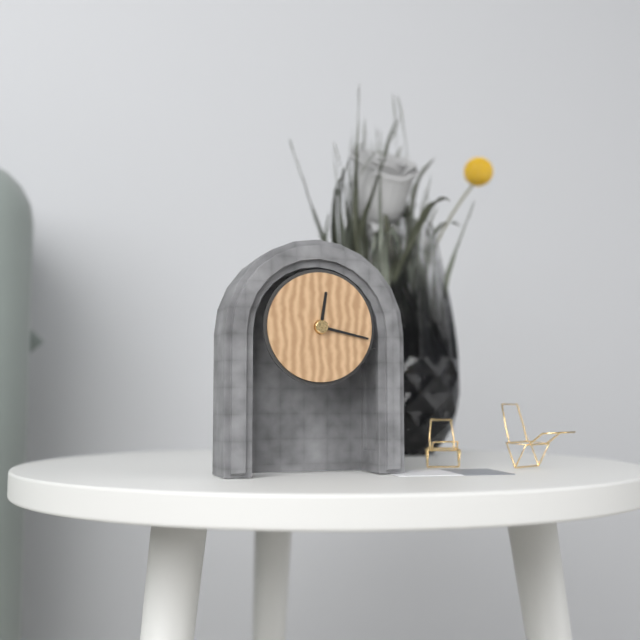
12:17
